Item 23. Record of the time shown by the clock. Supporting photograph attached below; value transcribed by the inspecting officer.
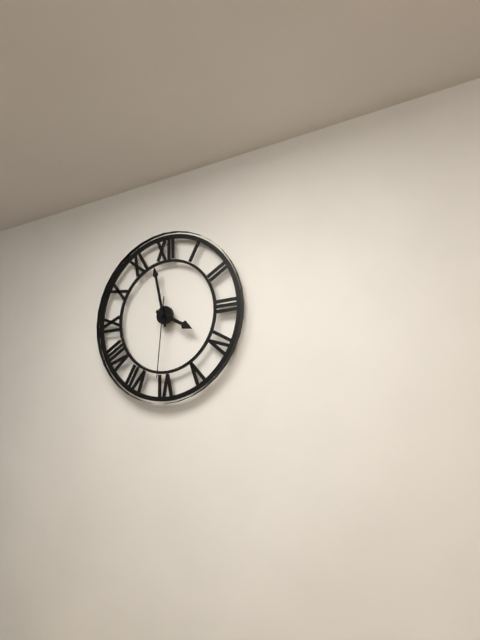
3:58:31
